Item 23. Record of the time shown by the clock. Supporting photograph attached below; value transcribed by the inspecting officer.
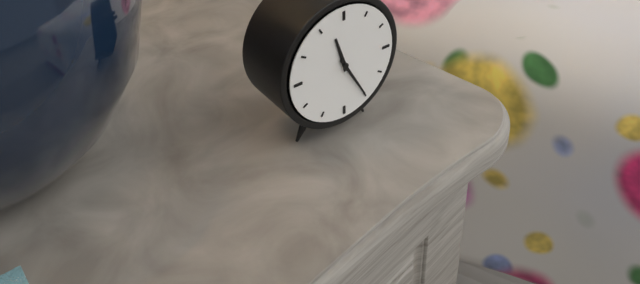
11:25
